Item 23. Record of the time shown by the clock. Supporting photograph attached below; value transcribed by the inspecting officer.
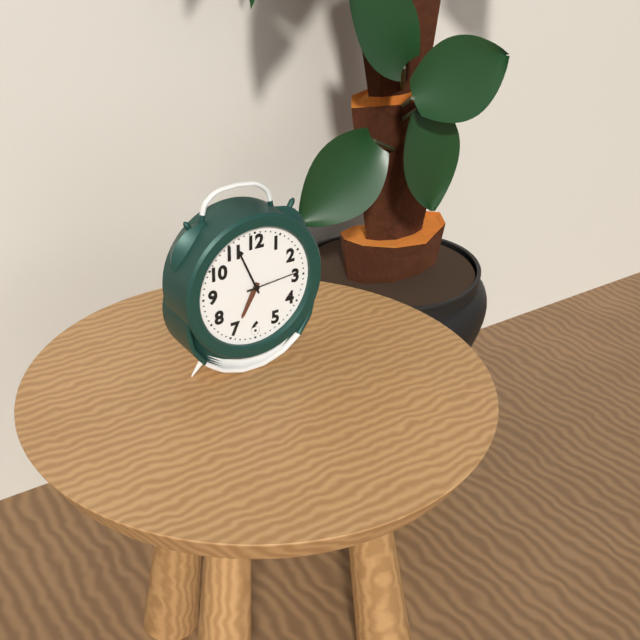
6:56:14
